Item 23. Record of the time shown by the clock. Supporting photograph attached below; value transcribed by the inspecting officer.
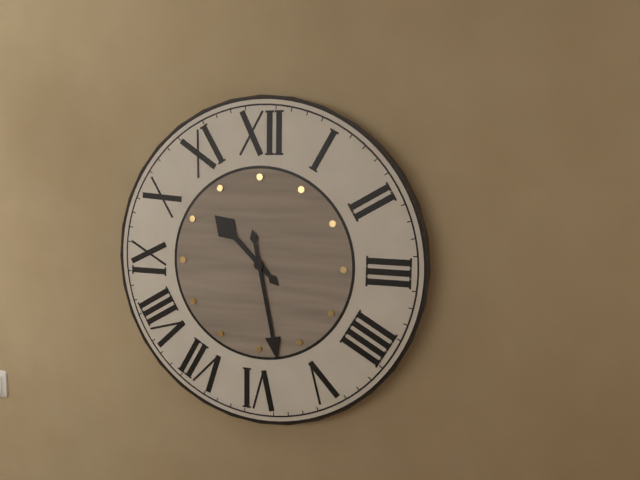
10:28
